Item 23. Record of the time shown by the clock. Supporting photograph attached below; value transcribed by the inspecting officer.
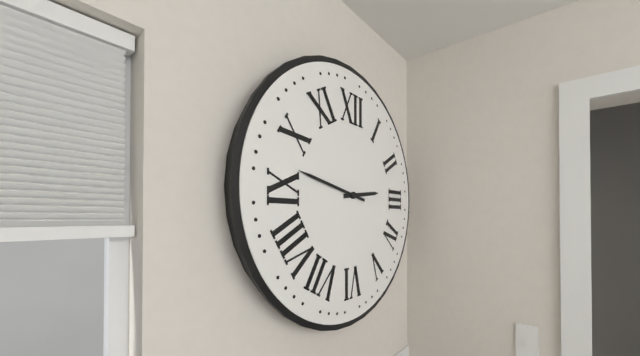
2:47
